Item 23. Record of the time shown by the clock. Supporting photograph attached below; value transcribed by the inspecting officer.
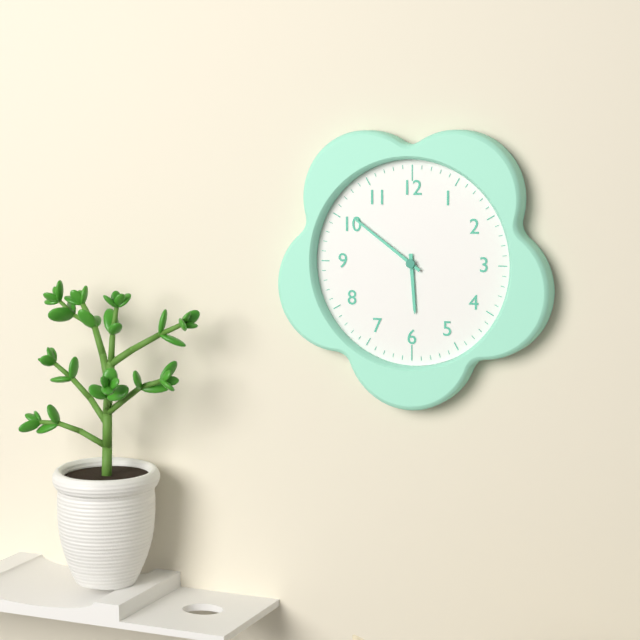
5:51
